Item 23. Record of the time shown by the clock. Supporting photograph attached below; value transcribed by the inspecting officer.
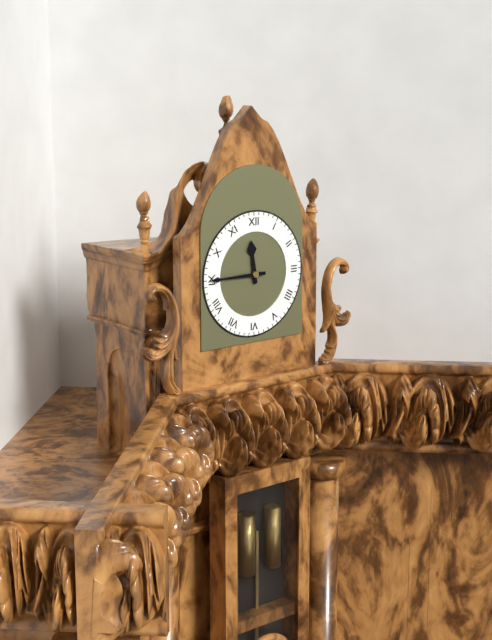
11:45
